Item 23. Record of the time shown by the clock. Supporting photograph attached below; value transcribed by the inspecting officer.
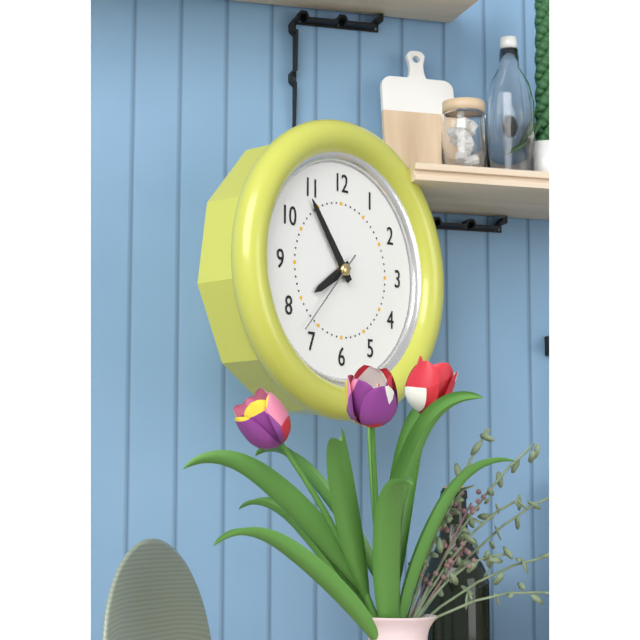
7:54:37
